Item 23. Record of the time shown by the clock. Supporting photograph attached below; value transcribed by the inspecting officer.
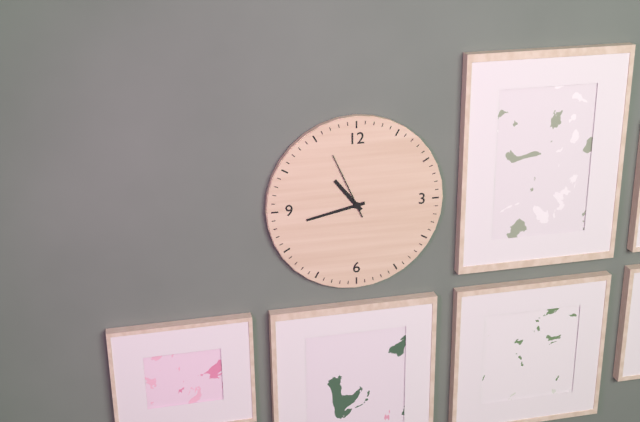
10:43:56
